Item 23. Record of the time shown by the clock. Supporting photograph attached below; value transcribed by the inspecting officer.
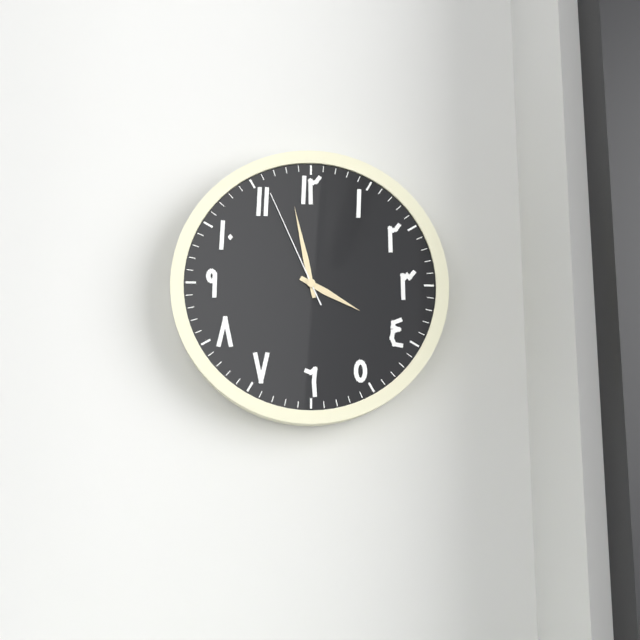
3:58:56
